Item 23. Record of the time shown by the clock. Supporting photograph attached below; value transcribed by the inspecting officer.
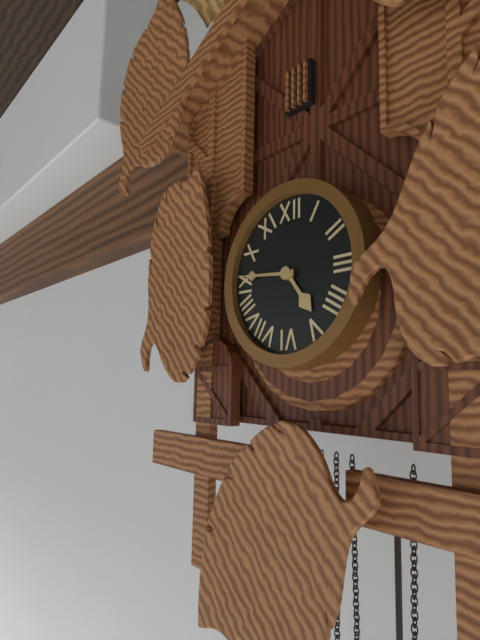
4:46
